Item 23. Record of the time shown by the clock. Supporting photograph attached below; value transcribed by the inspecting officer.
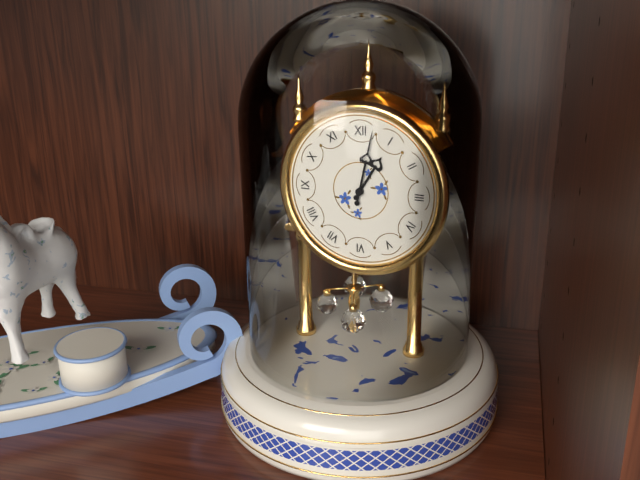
1:02
